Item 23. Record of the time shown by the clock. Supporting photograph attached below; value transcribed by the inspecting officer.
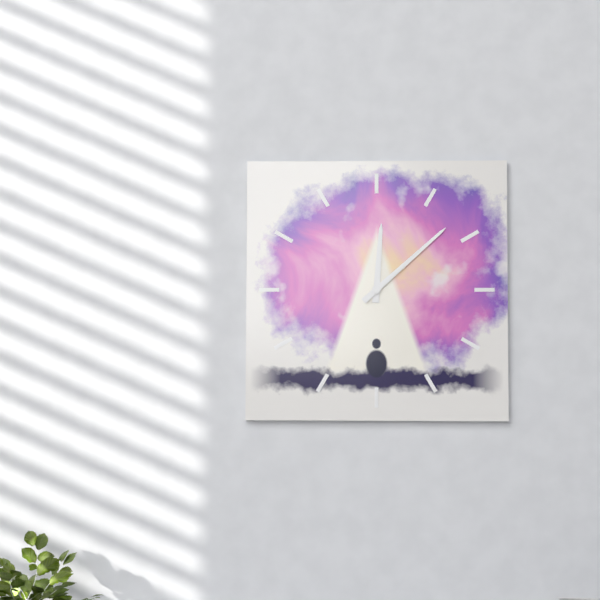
12:08
